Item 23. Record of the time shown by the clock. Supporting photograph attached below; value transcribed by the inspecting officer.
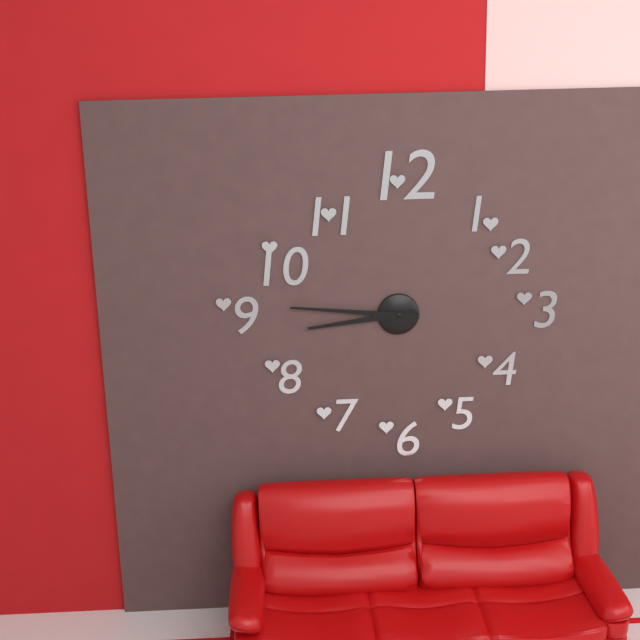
8:46
